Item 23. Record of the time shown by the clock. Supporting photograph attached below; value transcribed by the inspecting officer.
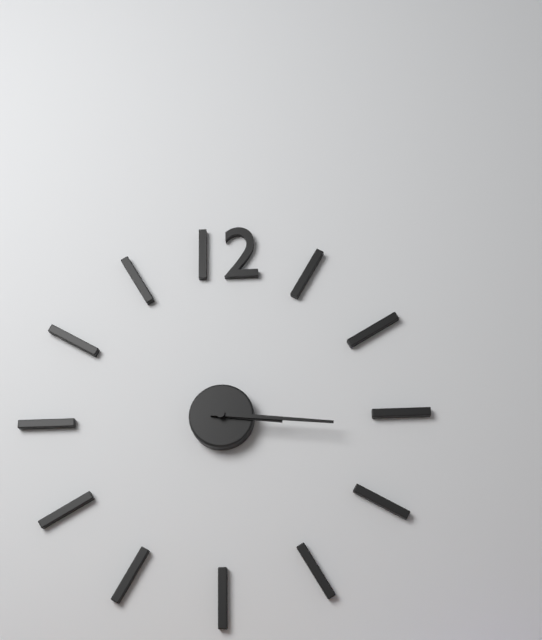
3:16
